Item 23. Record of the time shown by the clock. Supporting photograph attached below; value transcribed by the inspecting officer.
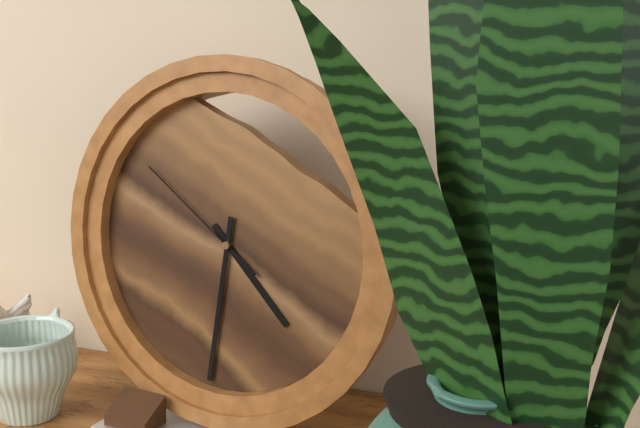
4:31:51
